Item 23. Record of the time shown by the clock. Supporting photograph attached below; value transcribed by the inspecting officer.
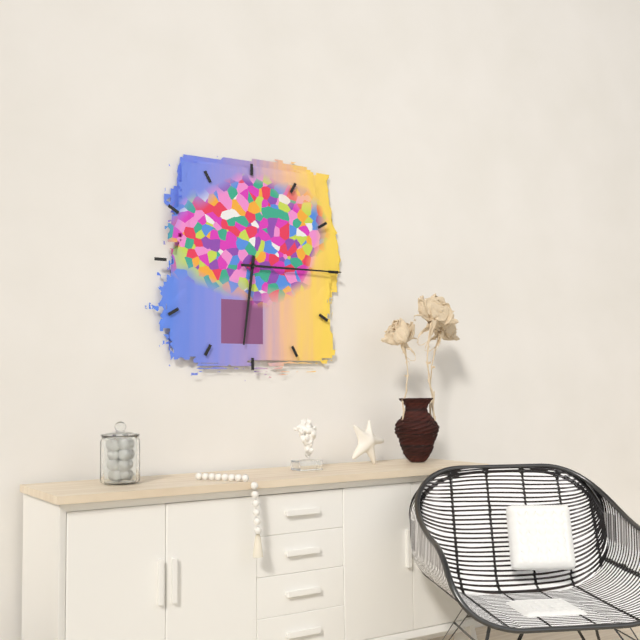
6:15
